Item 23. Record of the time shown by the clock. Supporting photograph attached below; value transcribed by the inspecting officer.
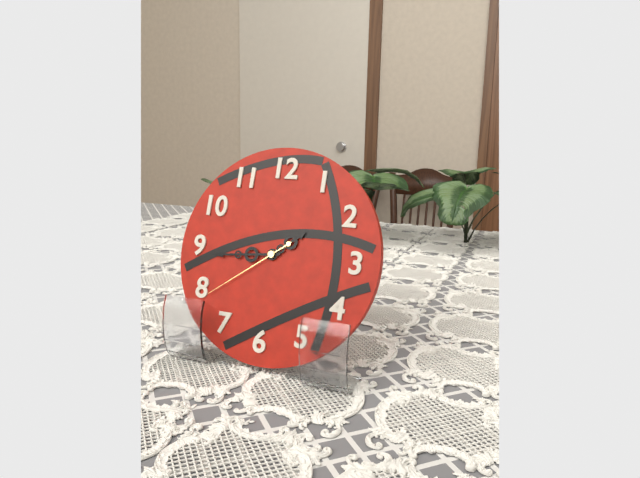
1:44:39
